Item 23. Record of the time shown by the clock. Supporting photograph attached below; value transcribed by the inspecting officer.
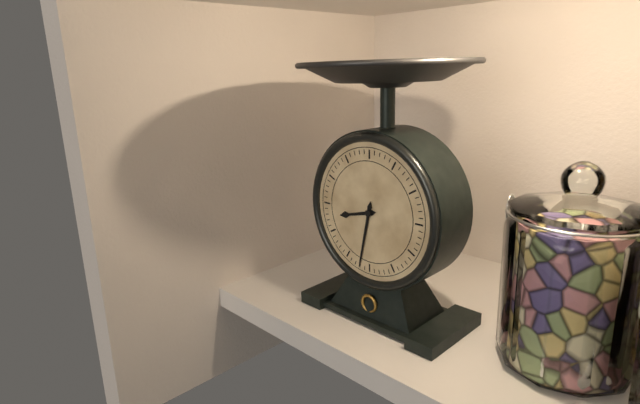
8:32
